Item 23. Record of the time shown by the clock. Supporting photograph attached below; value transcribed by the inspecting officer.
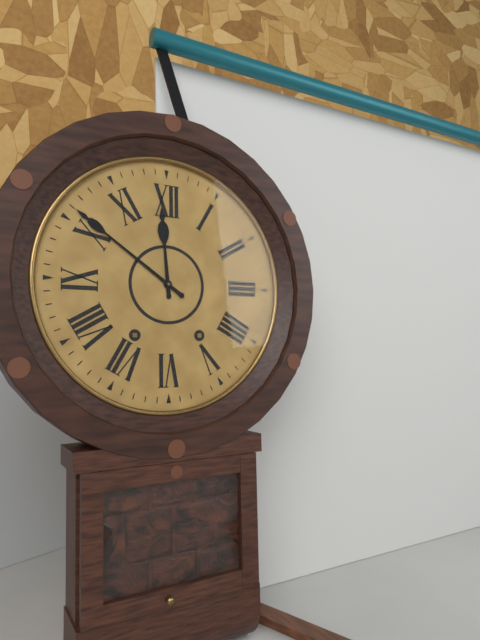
11:51
